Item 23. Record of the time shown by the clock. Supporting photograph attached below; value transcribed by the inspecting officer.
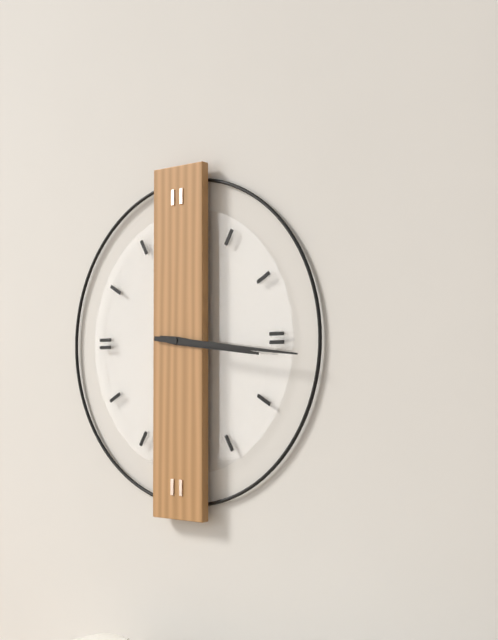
3:16
